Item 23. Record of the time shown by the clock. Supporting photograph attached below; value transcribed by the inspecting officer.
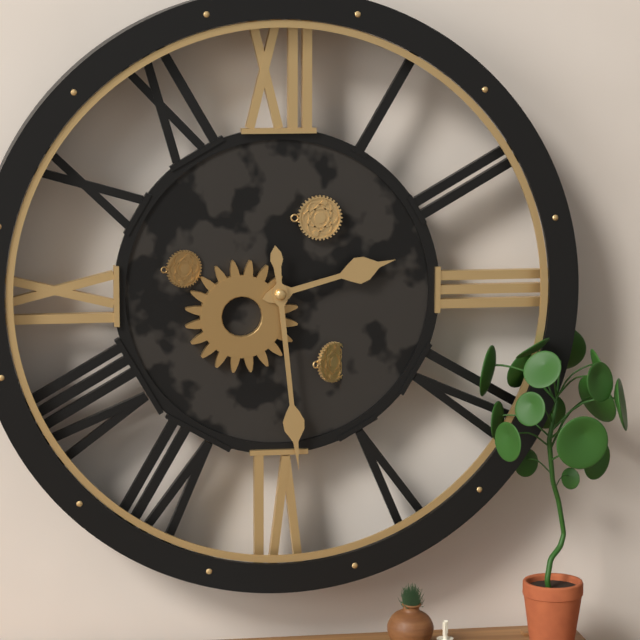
2:29
